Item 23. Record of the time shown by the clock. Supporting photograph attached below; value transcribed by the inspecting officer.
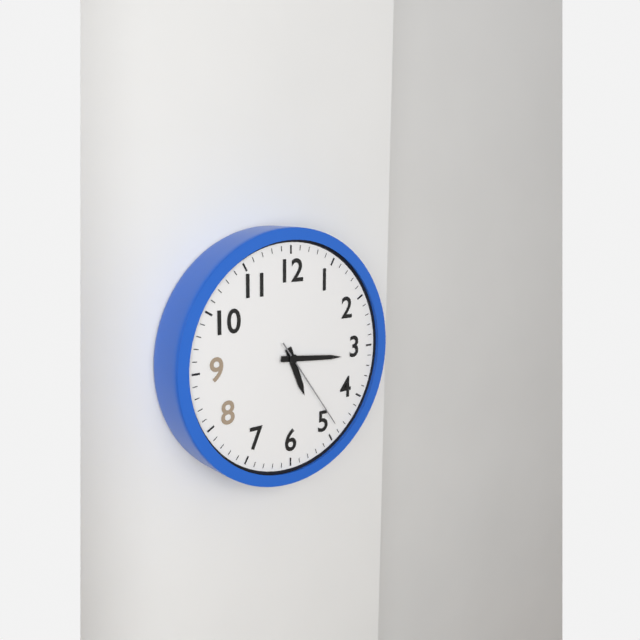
5:16:24
